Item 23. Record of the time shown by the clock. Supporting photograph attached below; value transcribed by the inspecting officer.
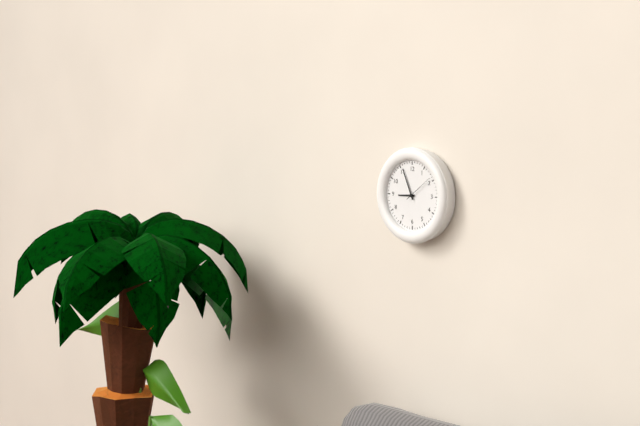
8:56
